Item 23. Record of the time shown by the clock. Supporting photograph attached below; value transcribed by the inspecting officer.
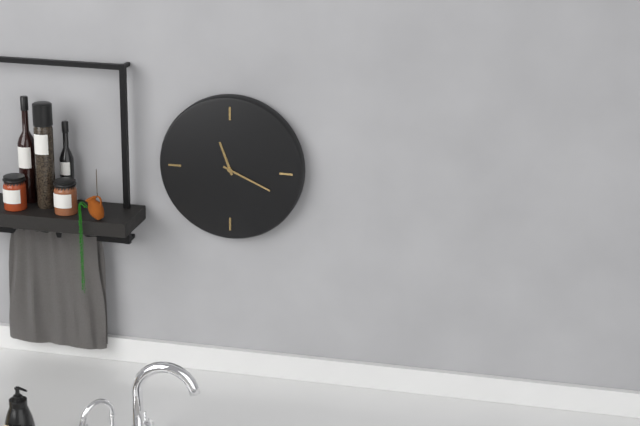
11:19
